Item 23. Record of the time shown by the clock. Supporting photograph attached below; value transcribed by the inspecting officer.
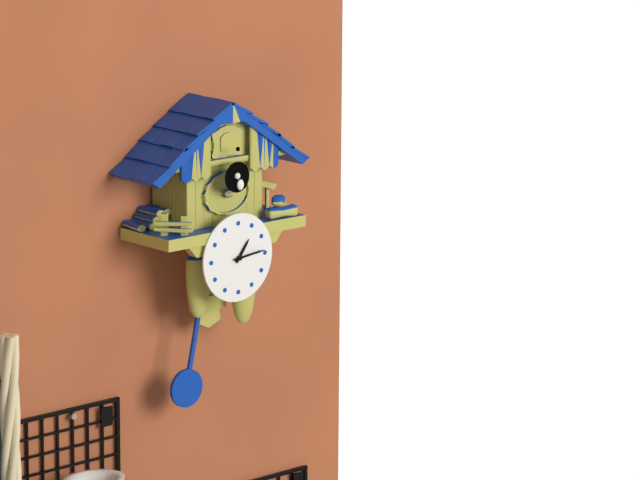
1:14
